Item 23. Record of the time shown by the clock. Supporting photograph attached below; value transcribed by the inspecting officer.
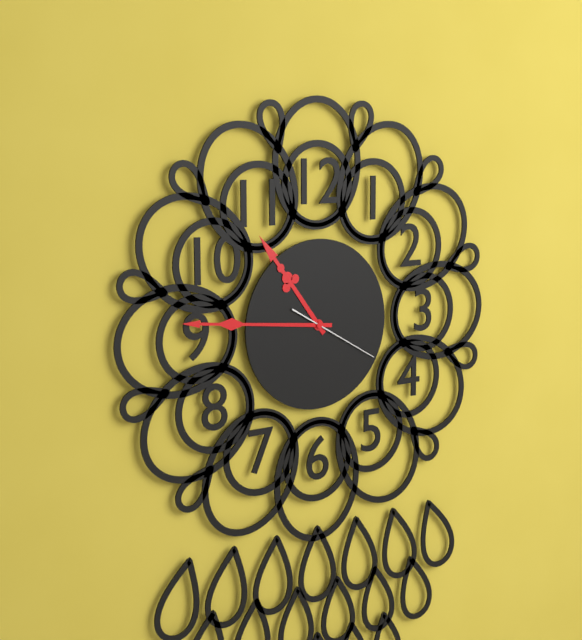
10:46:20
